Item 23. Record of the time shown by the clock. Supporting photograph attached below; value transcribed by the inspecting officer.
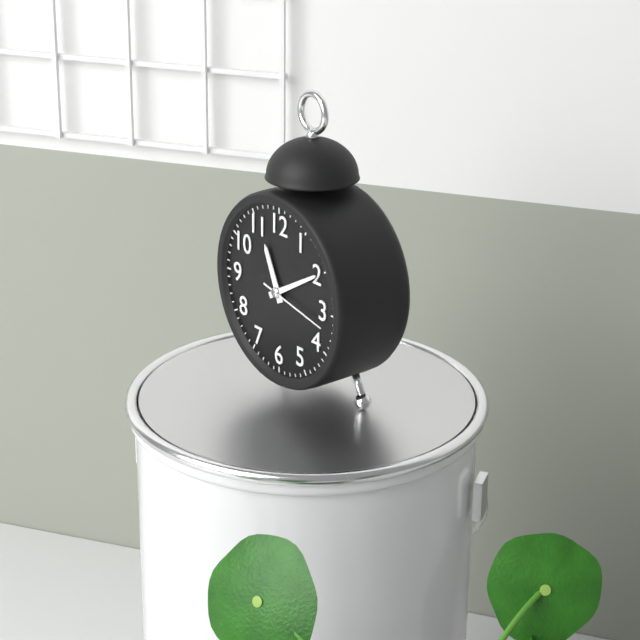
11:10:17
